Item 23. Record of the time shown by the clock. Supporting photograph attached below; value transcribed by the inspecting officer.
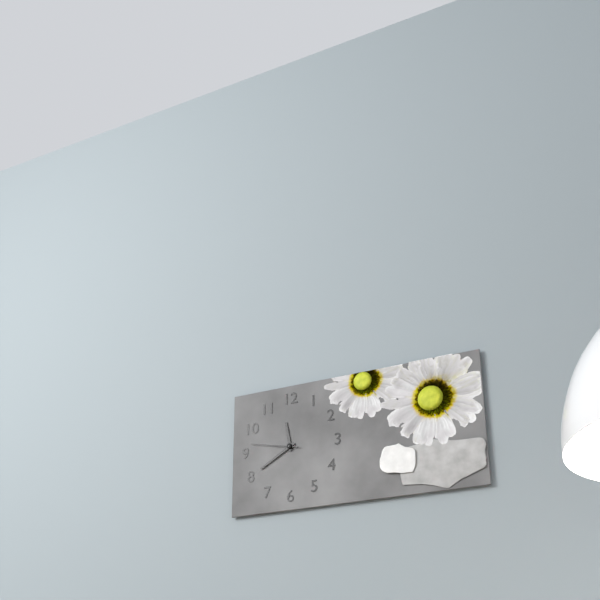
11:40
